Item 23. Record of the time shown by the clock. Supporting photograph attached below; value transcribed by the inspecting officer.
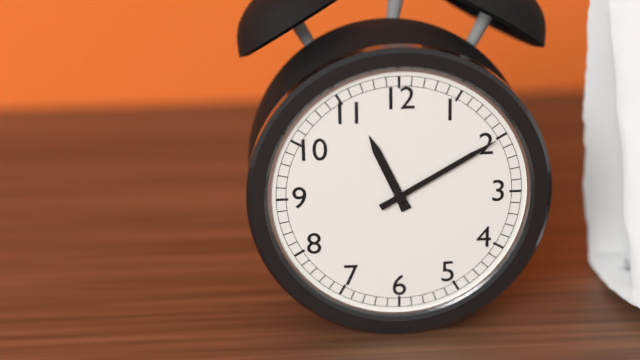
11:10
